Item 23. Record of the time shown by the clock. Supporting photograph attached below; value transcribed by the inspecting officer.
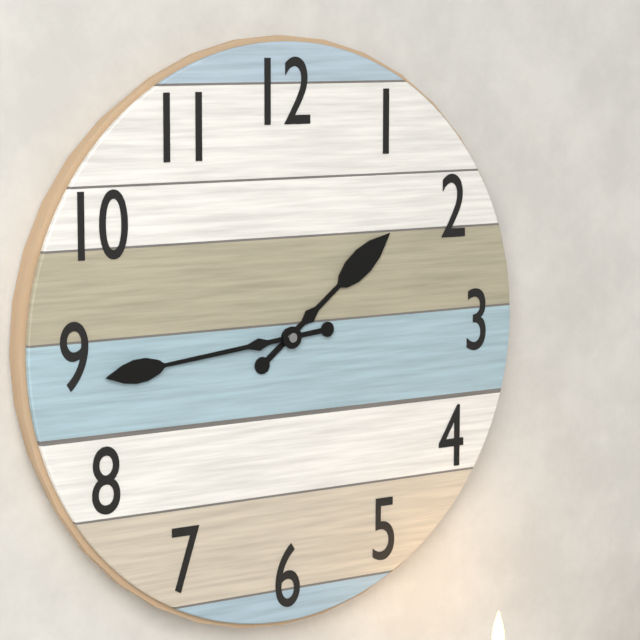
1:44
